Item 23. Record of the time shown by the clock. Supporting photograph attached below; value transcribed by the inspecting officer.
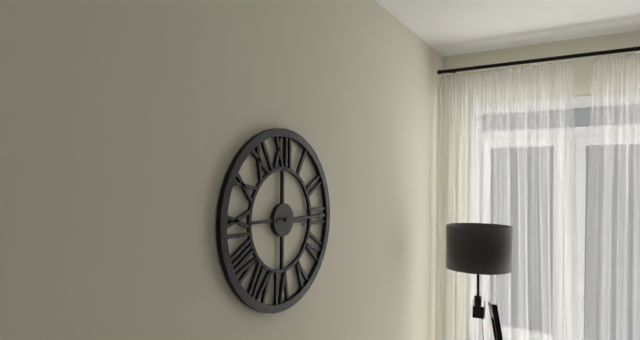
3:15
